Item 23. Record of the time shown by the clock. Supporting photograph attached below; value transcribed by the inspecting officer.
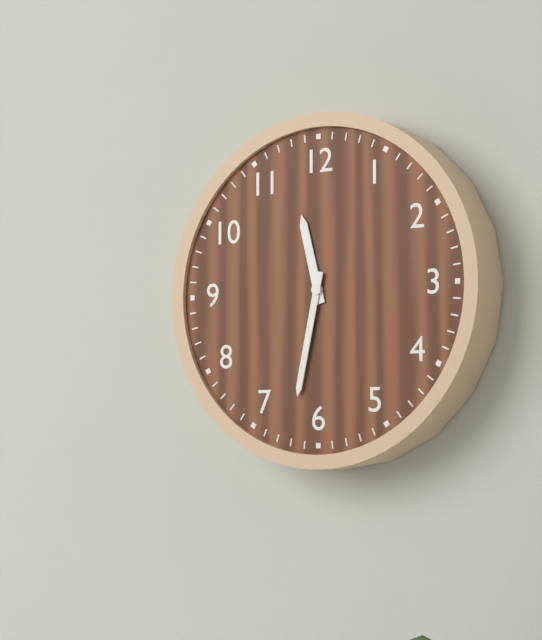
11:32
